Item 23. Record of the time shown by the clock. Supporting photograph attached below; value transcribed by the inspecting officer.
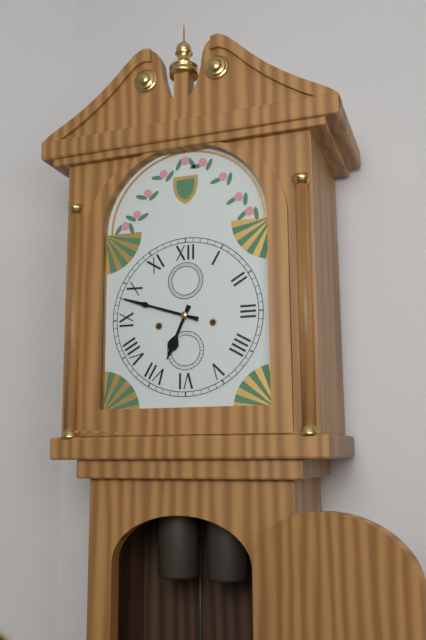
6:48
